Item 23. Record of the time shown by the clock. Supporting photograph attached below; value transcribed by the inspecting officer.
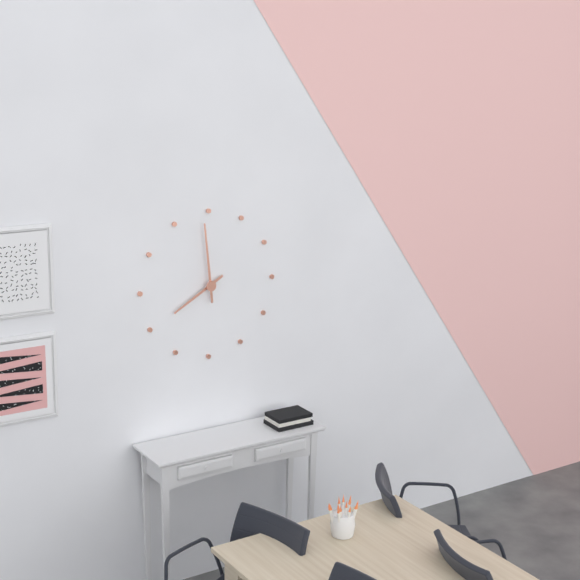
7:59
